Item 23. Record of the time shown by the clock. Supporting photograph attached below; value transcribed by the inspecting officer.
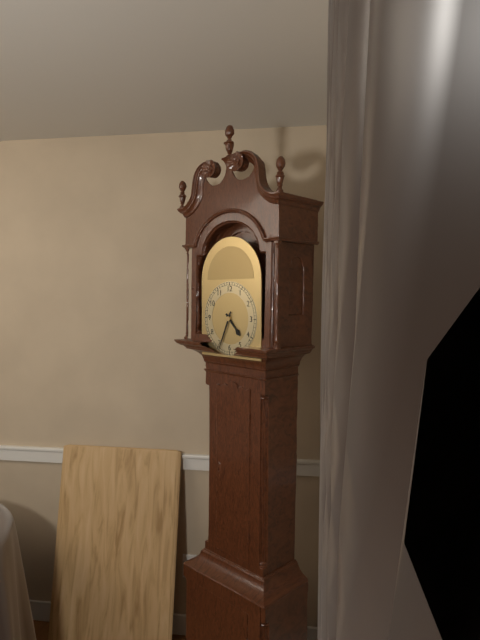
4:34
